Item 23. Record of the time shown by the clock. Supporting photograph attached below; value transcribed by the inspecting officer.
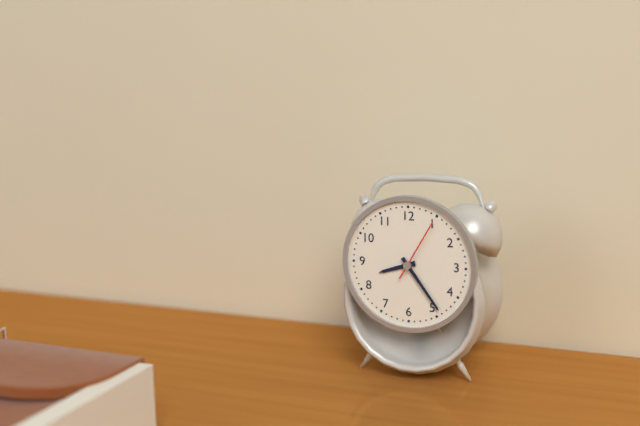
8:24:05
